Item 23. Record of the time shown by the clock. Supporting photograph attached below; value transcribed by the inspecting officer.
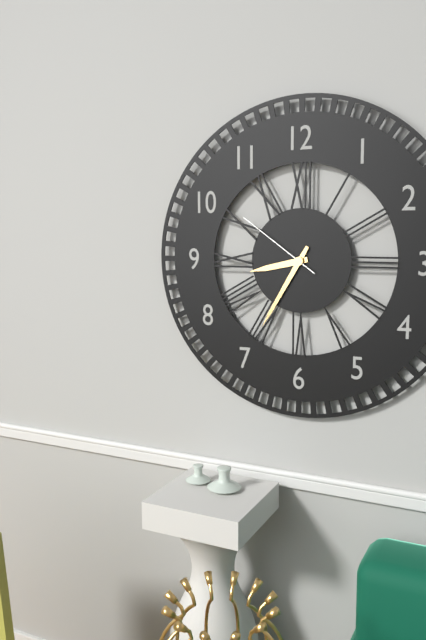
8:35:51
